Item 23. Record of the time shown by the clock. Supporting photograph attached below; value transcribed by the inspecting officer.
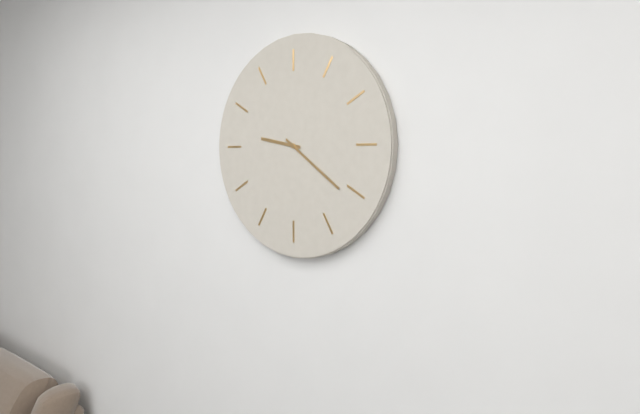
9:21
